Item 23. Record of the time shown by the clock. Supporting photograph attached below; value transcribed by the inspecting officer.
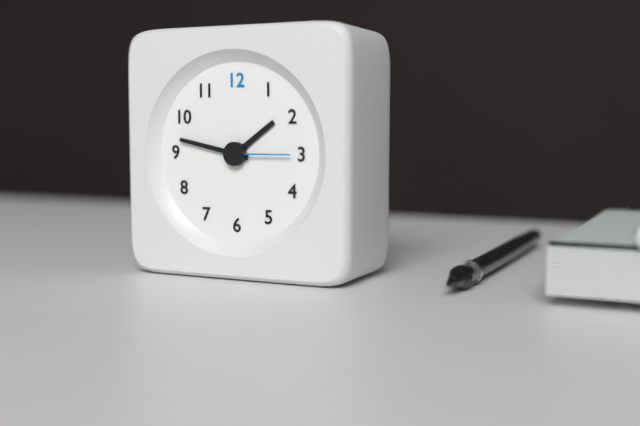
1:47:15
